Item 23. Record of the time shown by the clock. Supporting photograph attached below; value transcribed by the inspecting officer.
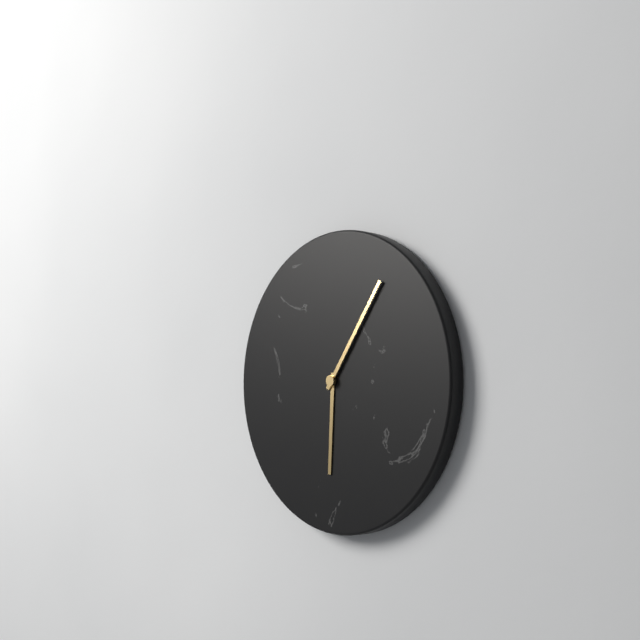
6:06
